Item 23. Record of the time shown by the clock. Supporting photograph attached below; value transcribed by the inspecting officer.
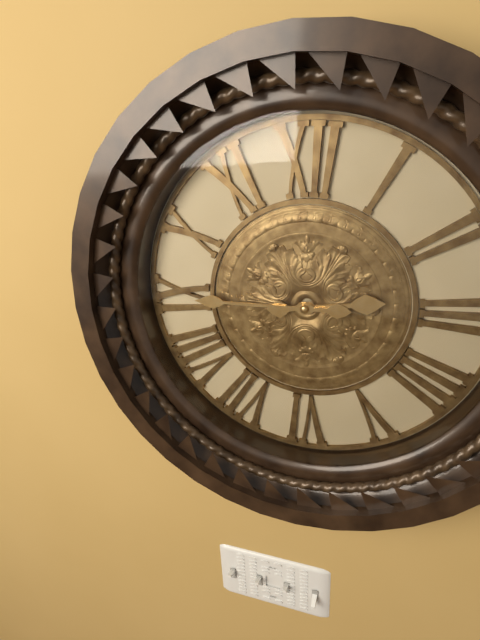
2:45
